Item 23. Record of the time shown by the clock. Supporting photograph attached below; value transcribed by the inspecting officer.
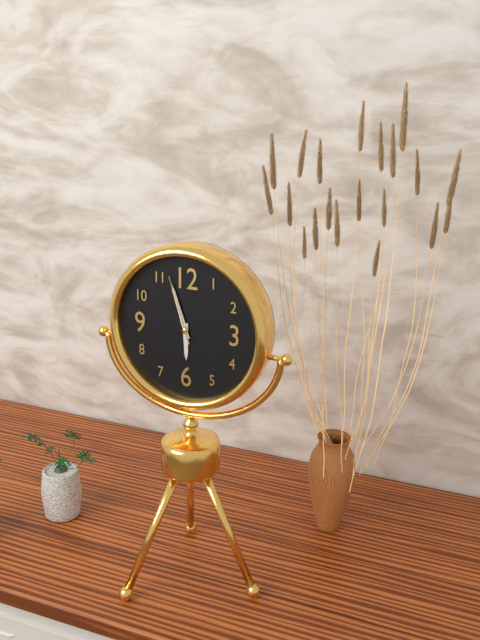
5:57:57
